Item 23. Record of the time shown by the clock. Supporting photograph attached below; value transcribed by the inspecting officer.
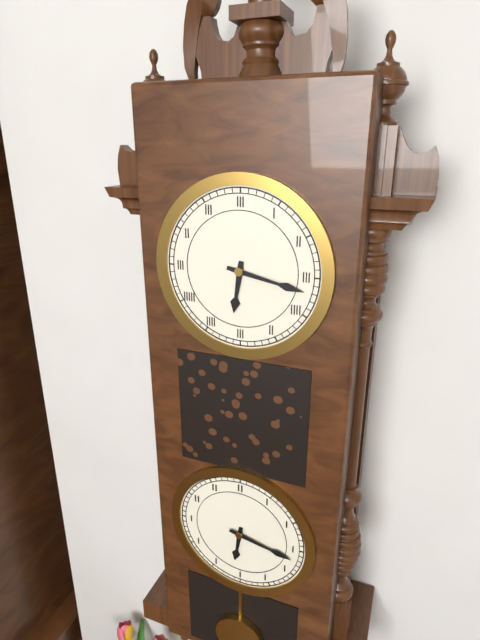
6:17
